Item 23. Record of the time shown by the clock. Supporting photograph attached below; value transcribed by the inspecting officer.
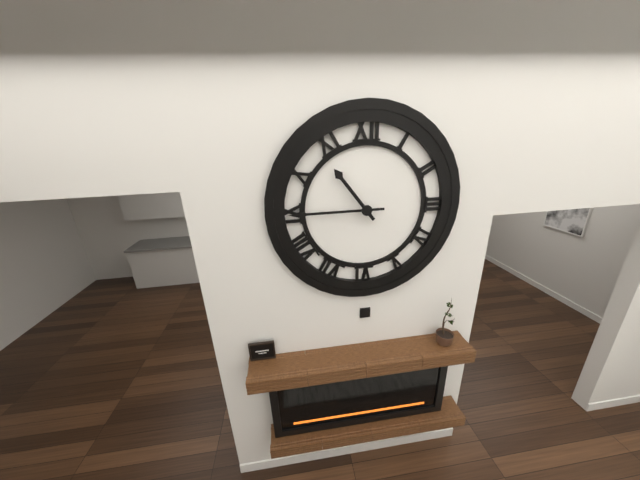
10:45
